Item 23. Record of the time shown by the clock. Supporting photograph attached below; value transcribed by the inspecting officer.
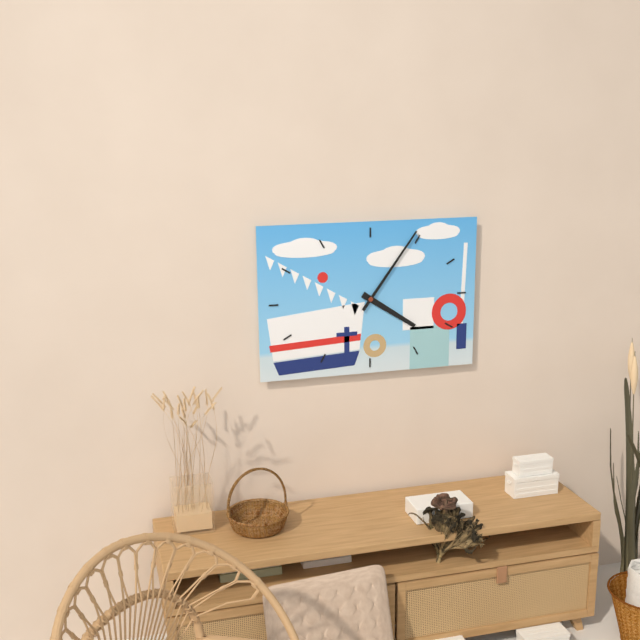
4:06
